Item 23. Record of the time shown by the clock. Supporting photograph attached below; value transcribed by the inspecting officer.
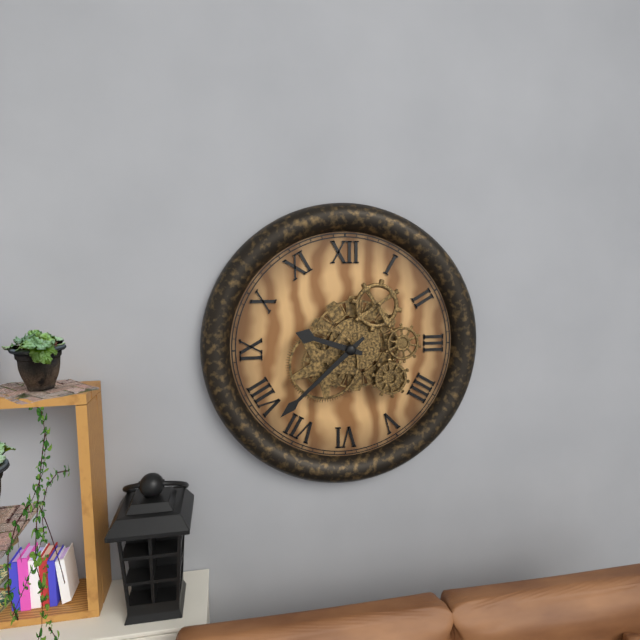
9:38
